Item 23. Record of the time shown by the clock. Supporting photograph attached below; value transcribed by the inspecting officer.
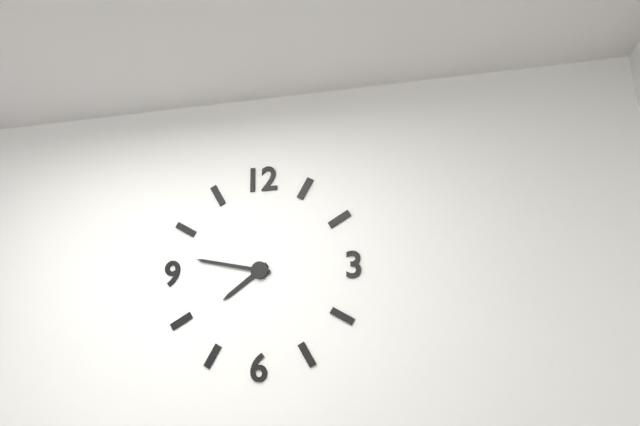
7:47
